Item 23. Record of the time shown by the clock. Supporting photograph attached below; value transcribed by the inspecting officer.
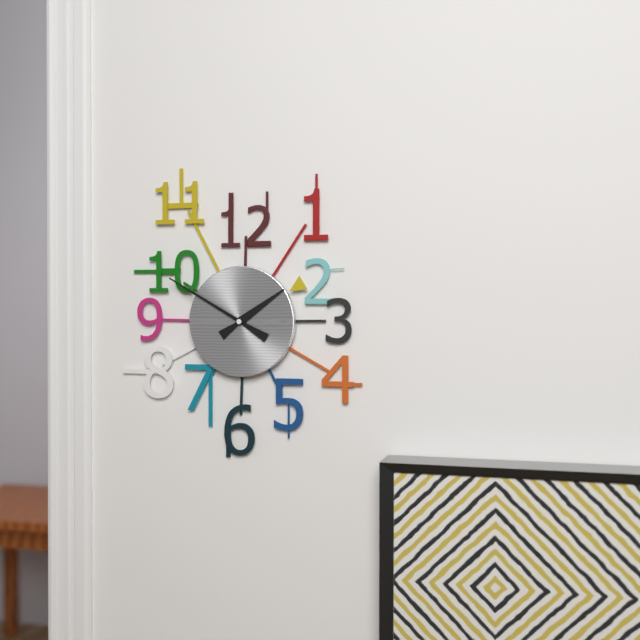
1:50
